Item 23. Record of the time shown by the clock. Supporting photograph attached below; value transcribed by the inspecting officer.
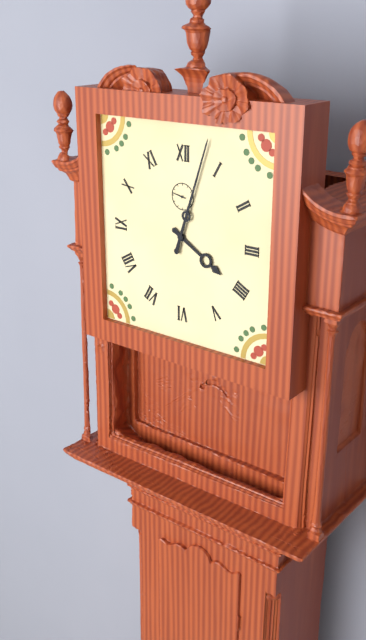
4:03
